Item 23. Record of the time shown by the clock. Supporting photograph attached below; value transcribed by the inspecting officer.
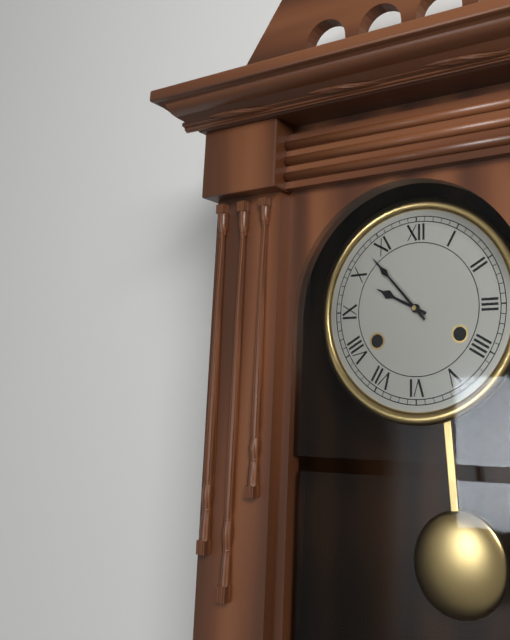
9:53
